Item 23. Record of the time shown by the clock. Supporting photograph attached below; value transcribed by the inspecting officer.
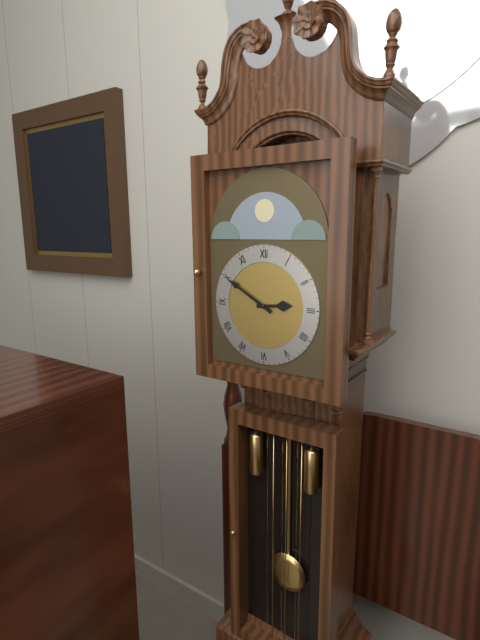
2:50
